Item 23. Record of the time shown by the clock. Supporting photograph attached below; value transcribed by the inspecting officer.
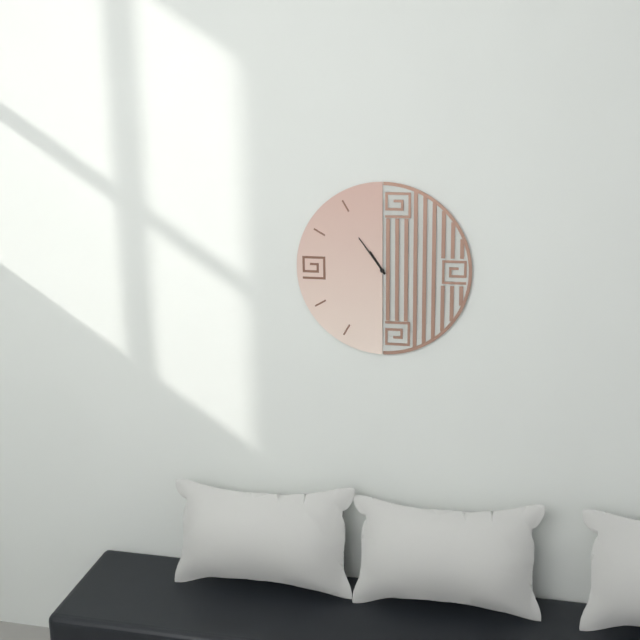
10:54
